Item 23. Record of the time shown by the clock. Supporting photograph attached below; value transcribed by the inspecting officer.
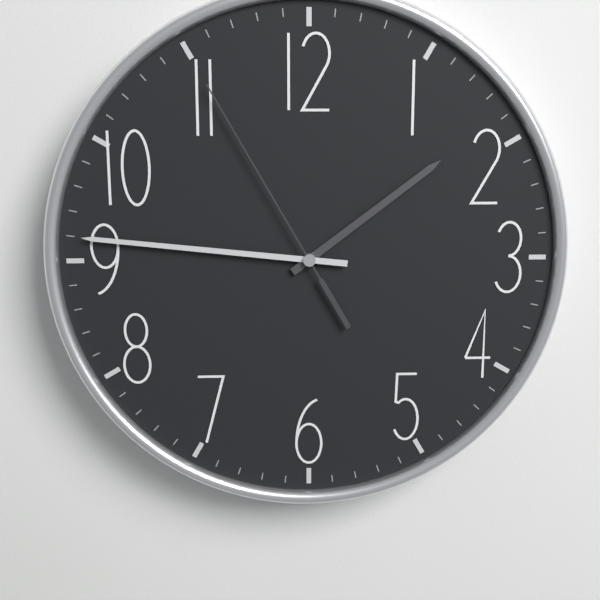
1:46:55
